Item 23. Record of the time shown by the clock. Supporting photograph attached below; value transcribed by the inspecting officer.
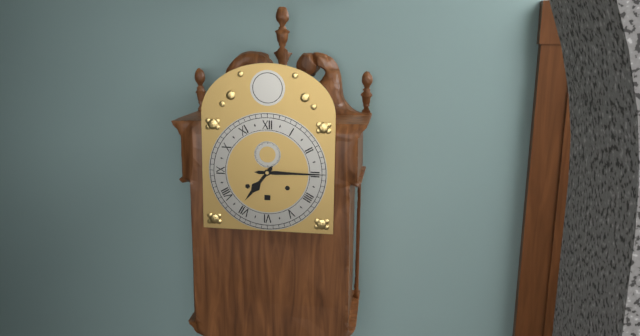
7:15
